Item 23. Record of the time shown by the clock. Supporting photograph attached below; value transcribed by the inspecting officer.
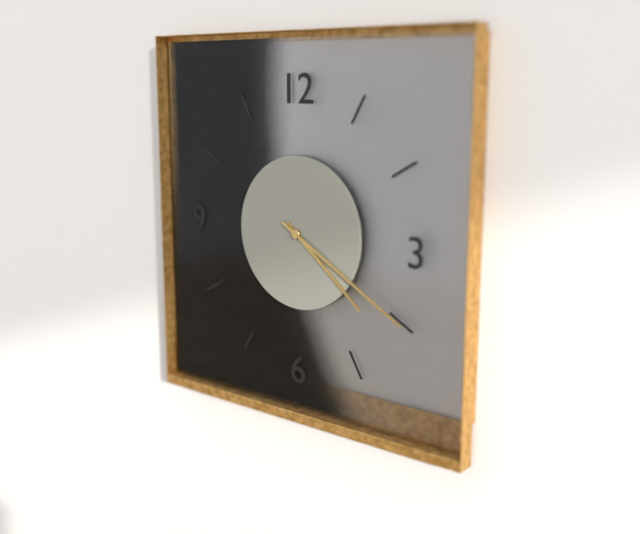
4:20
